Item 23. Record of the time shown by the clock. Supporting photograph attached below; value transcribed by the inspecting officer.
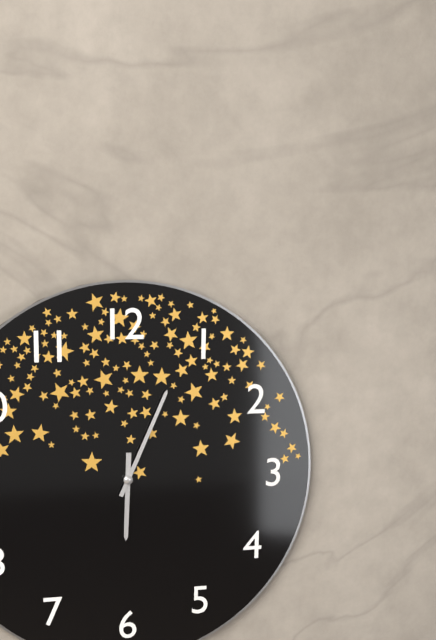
6:04
